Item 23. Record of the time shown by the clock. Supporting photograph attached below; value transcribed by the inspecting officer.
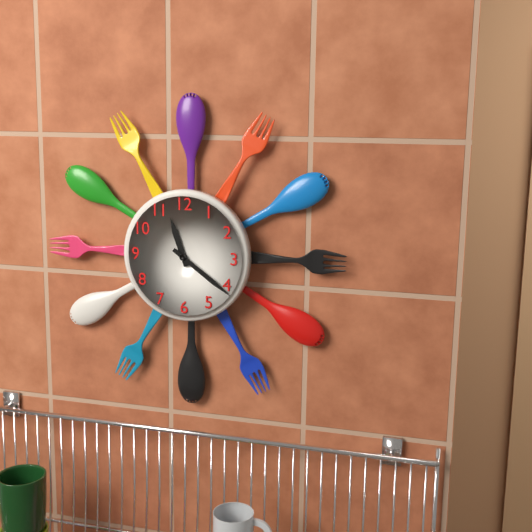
11:21
